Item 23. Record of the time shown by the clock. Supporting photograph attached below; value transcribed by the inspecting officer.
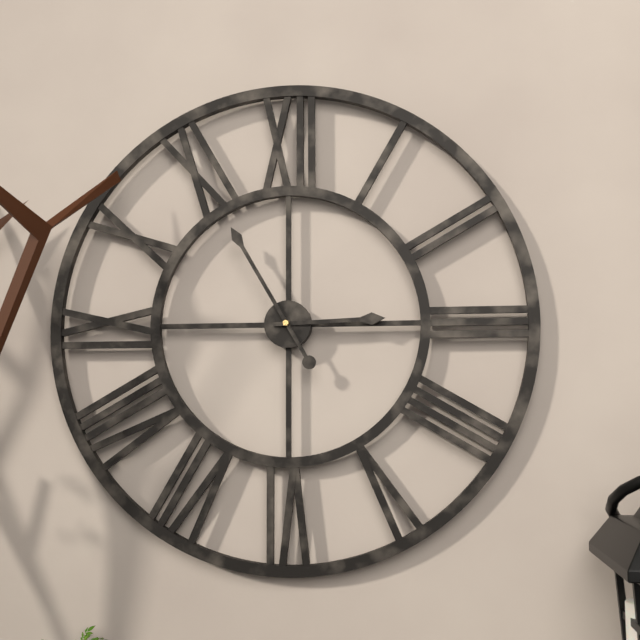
2:55
